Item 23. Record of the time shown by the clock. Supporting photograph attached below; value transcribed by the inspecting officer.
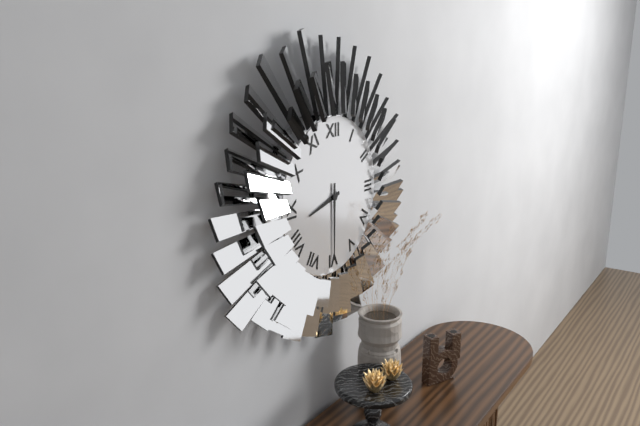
8:30
